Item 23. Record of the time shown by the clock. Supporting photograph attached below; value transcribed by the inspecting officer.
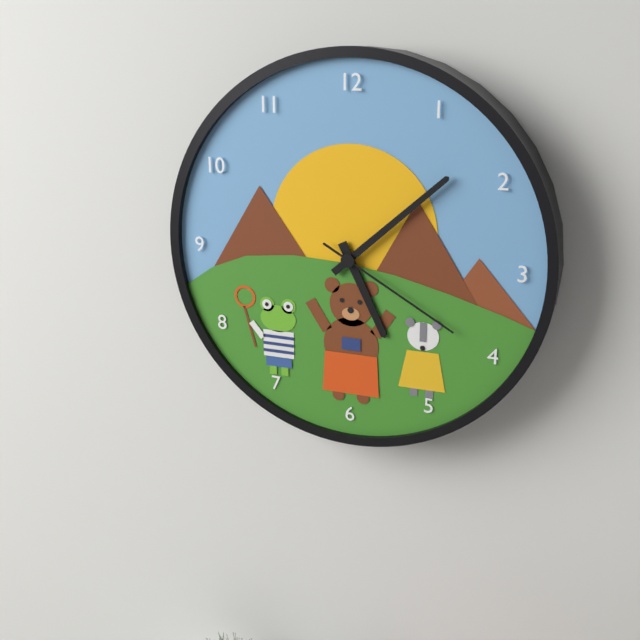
5:08:20
